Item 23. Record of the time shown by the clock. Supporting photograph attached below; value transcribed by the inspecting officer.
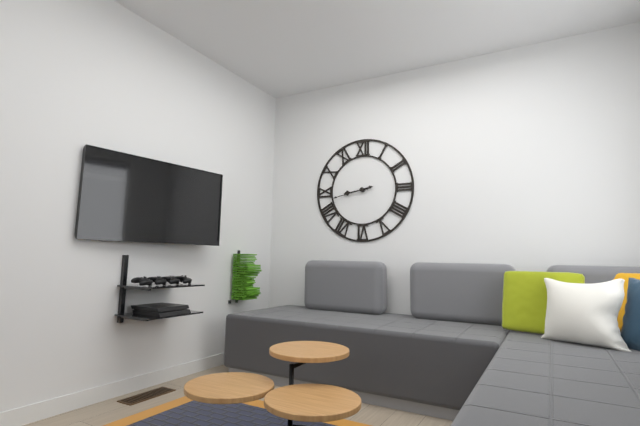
8:43
